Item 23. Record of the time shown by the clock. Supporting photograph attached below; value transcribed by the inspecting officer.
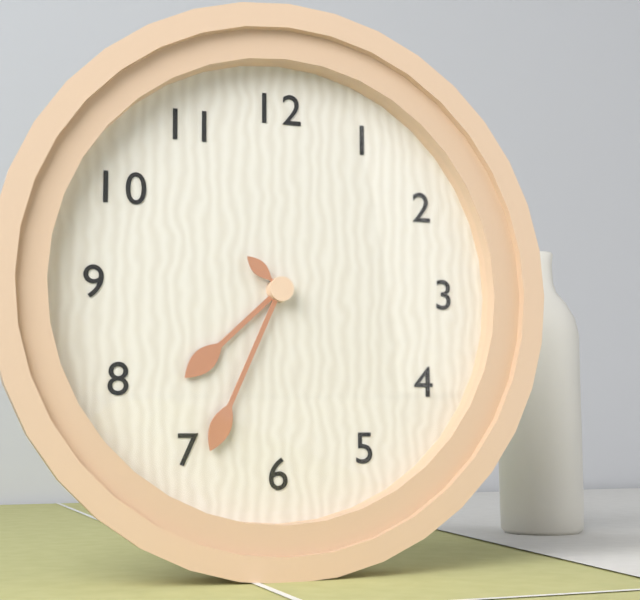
7:34:52
